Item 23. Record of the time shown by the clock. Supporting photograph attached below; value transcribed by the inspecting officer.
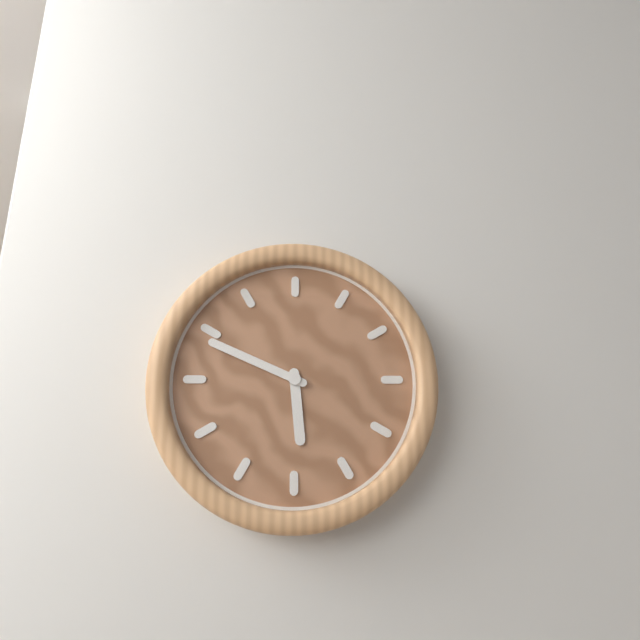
5:49
